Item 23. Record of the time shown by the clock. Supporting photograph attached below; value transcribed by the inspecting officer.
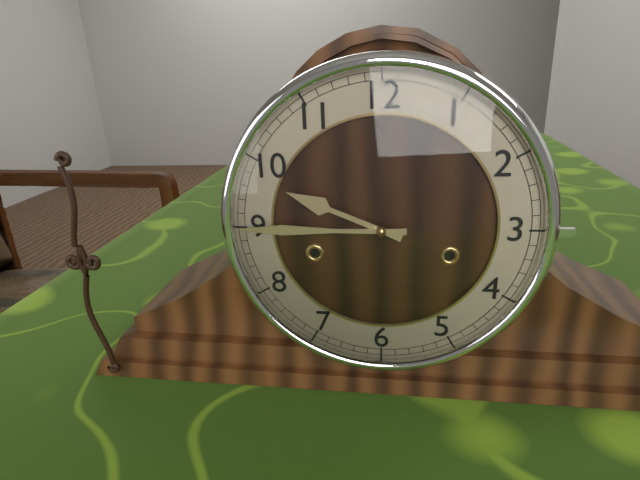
9:45
